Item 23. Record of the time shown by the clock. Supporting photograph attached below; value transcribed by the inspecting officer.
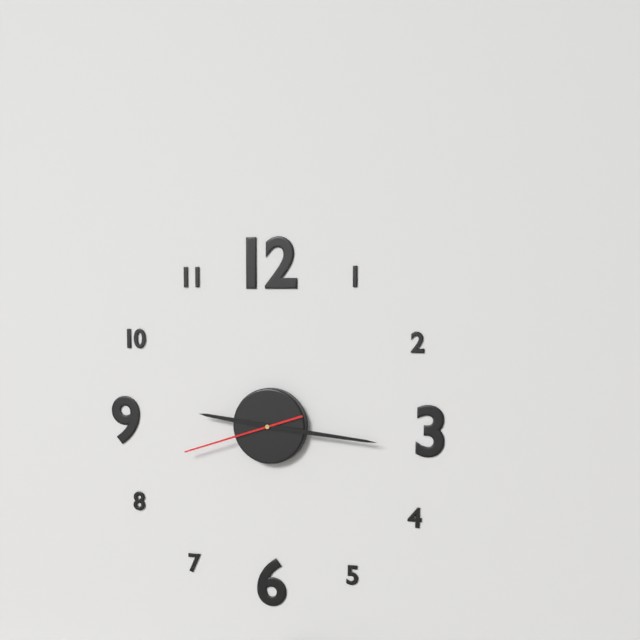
9:16:42
